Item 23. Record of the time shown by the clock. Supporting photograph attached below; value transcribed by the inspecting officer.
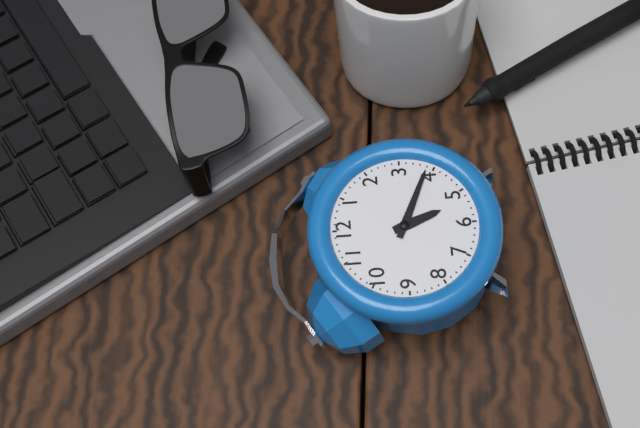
5:19
